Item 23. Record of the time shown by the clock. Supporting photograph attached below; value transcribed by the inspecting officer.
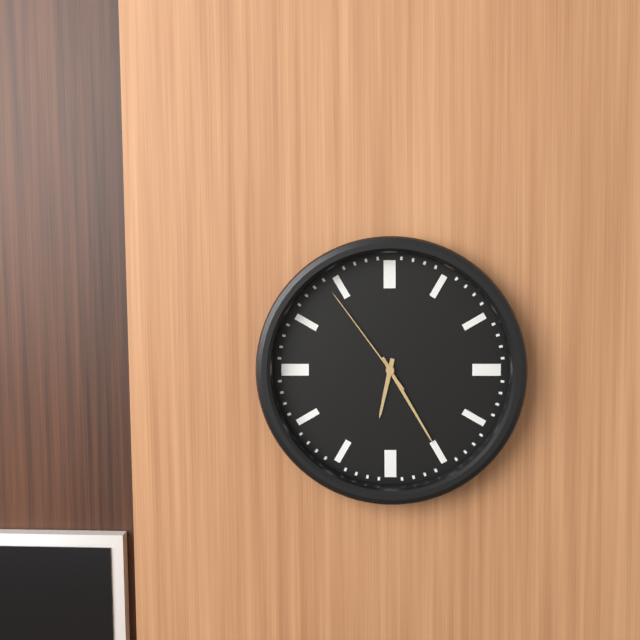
6:25:54
